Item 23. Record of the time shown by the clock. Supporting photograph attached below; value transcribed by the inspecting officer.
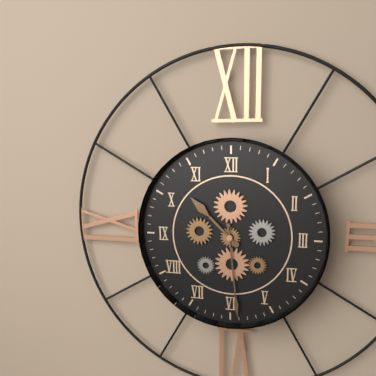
10:29
